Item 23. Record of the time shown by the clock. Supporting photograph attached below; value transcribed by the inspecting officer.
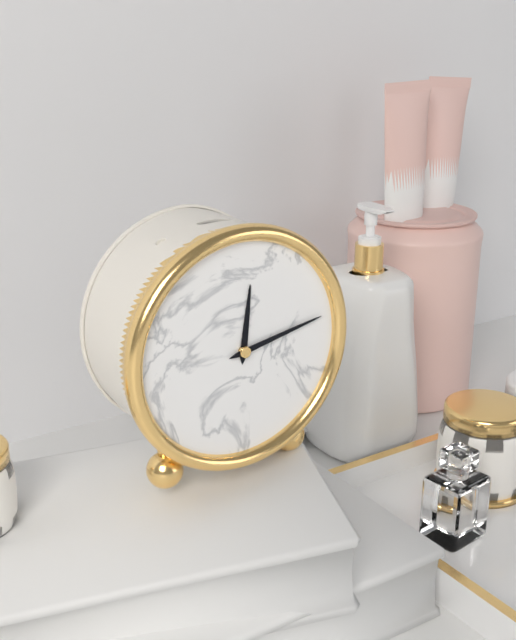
12:13
